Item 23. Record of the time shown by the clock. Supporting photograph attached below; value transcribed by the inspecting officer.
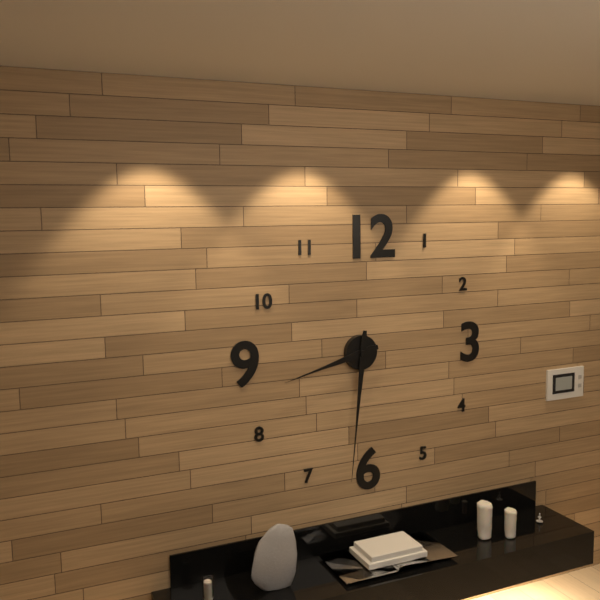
8:31
